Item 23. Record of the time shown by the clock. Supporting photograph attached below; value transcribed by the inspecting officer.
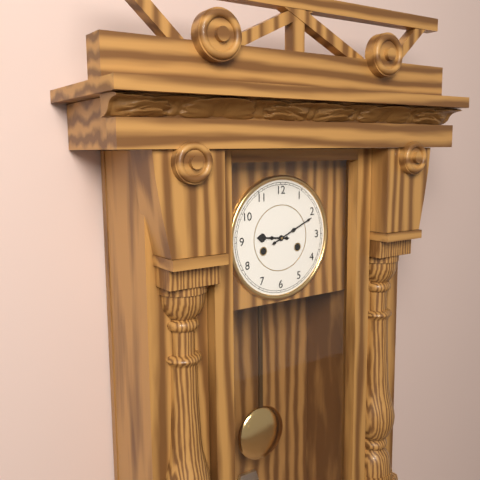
9:11
